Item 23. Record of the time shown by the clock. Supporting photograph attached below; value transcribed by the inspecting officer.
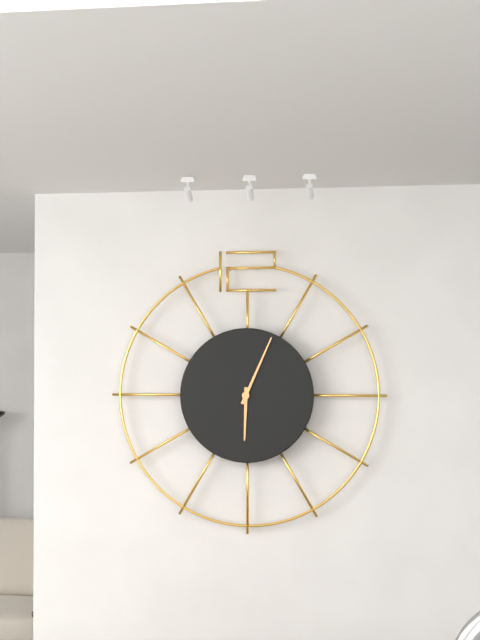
6:04
